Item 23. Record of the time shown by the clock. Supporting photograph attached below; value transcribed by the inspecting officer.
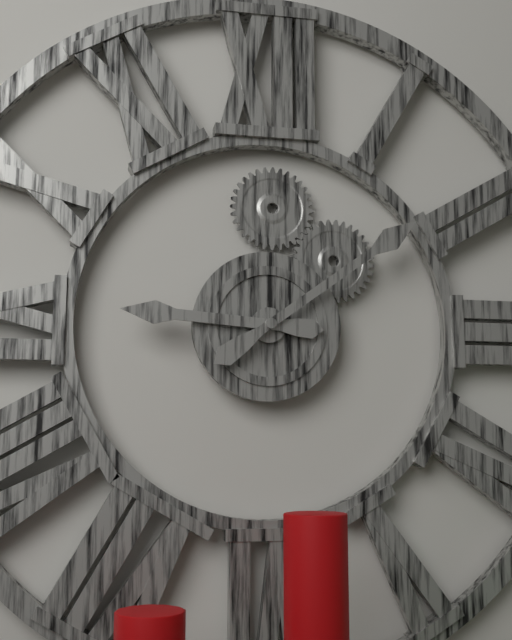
9:09
